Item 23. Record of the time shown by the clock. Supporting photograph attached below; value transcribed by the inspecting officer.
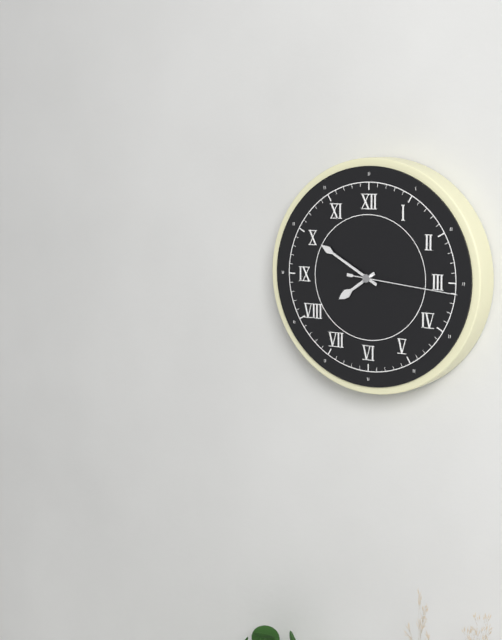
7:50:16
